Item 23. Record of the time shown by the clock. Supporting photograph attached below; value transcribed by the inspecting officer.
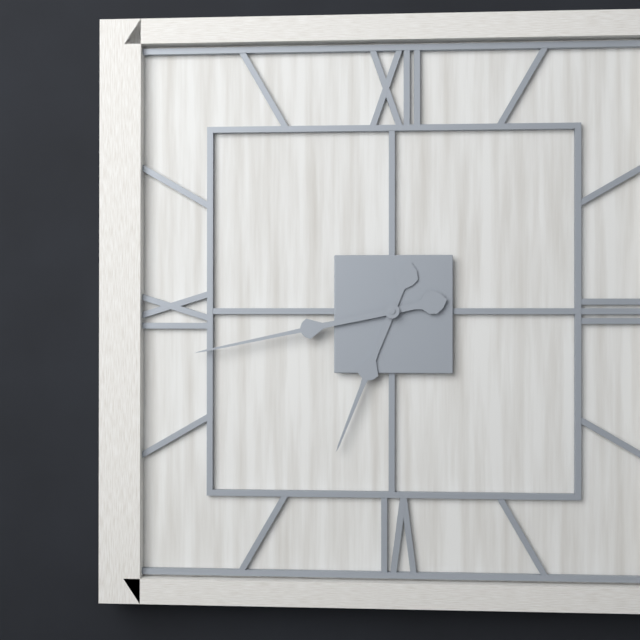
6:43
